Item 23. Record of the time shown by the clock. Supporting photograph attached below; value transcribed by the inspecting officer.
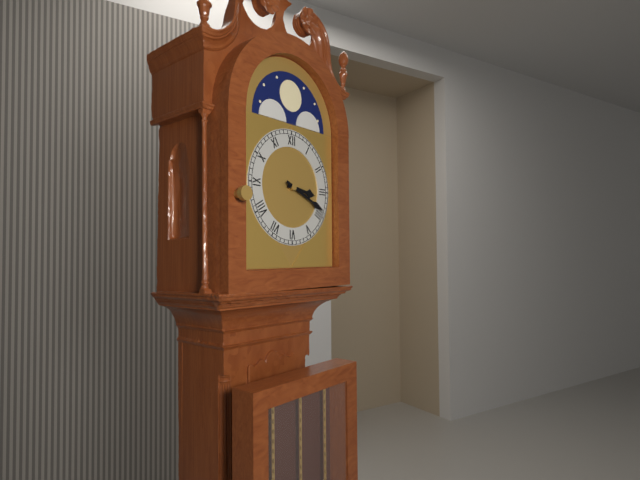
3:19
